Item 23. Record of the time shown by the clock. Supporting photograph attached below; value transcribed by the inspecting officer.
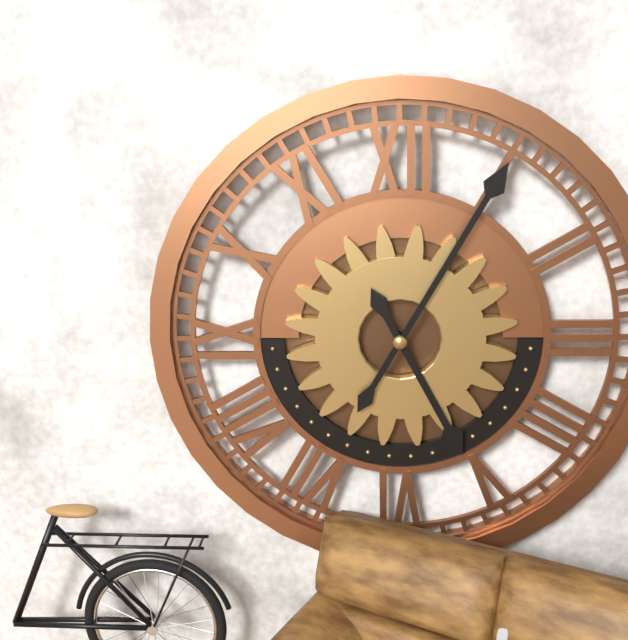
5:05
